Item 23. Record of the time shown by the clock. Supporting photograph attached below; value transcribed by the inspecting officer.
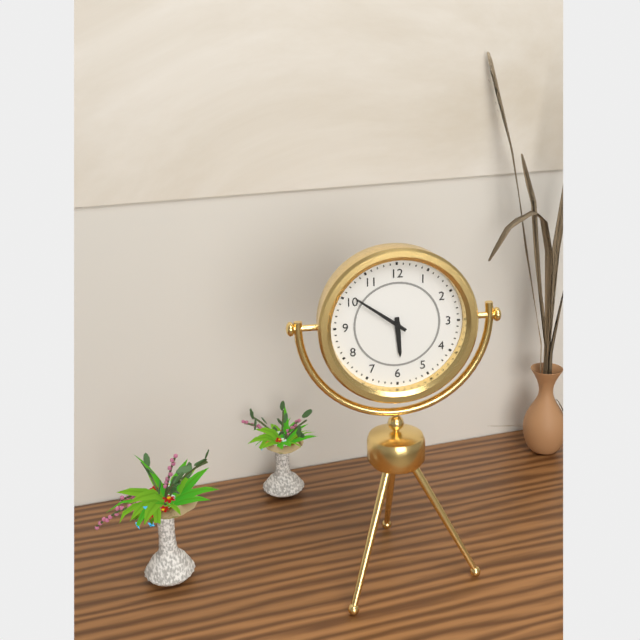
5:51
